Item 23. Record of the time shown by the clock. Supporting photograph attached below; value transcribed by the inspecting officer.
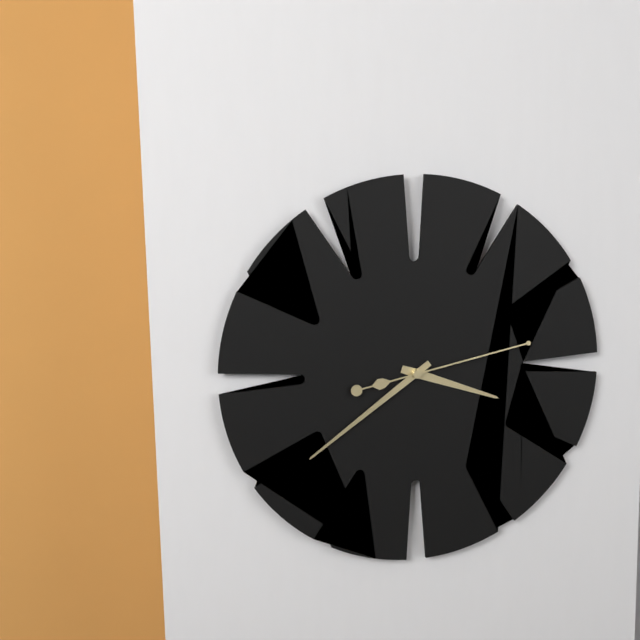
3:39:13
